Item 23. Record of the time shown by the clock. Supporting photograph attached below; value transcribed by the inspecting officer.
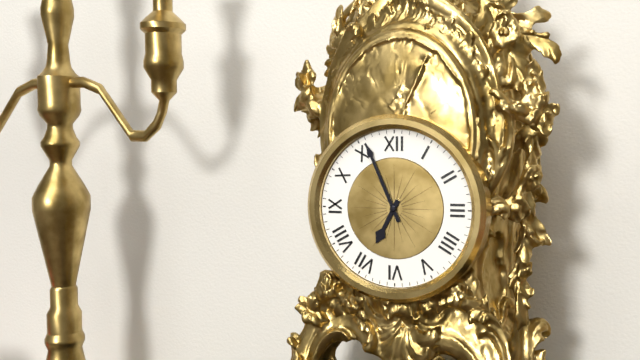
6:56
